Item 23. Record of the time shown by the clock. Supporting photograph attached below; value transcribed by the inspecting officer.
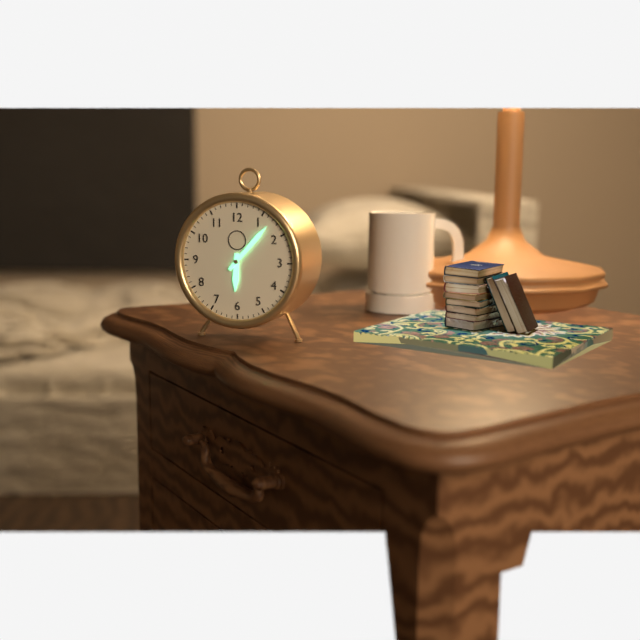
6:07
